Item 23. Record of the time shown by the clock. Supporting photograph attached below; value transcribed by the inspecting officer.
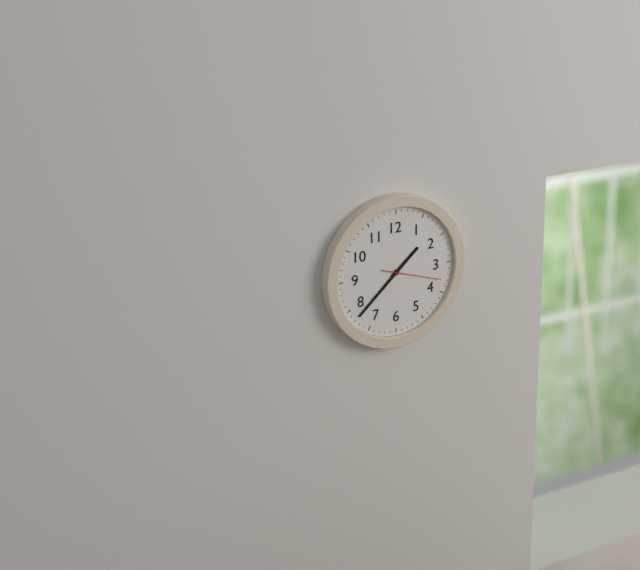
1:38:18
